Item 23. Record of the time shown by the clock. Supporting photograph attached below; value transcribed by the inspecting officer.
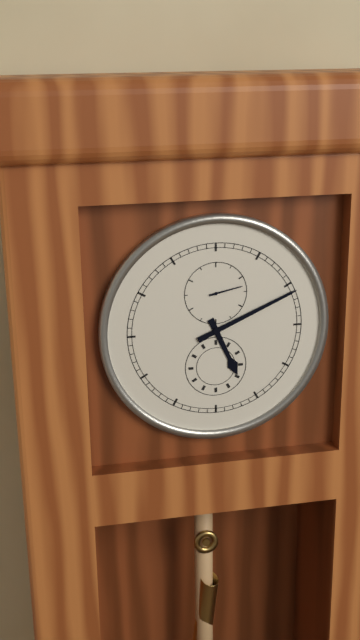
5:11
